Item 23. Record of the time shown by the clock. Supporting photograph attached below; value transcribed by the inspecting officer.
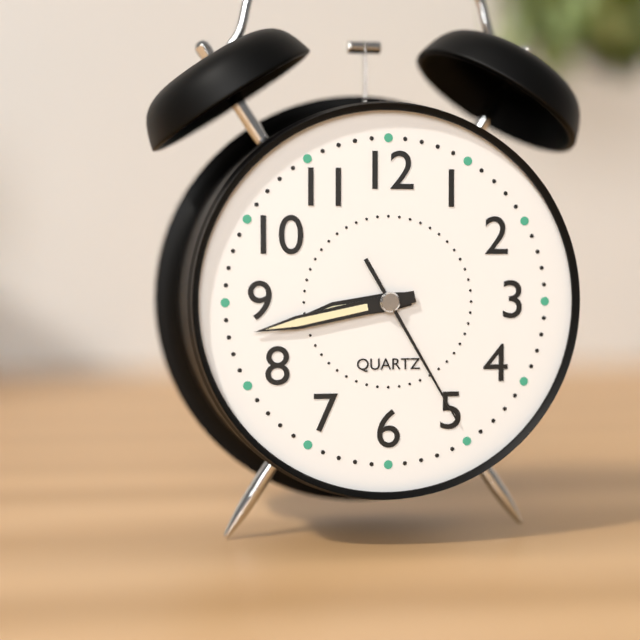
8:43:25
